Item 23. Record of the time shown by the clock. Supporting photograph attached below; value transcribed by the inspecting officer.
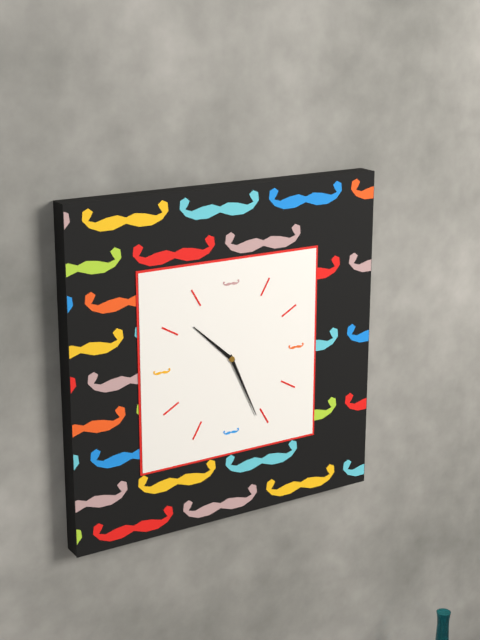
10:26
